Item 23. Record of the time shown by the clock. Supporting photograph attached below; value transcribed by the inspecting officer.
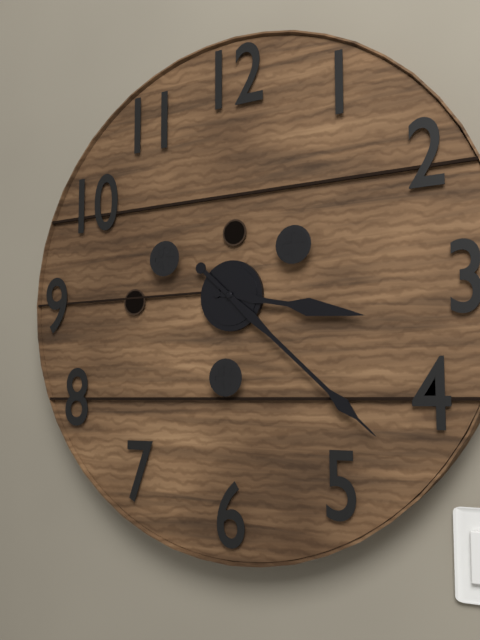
3:22
